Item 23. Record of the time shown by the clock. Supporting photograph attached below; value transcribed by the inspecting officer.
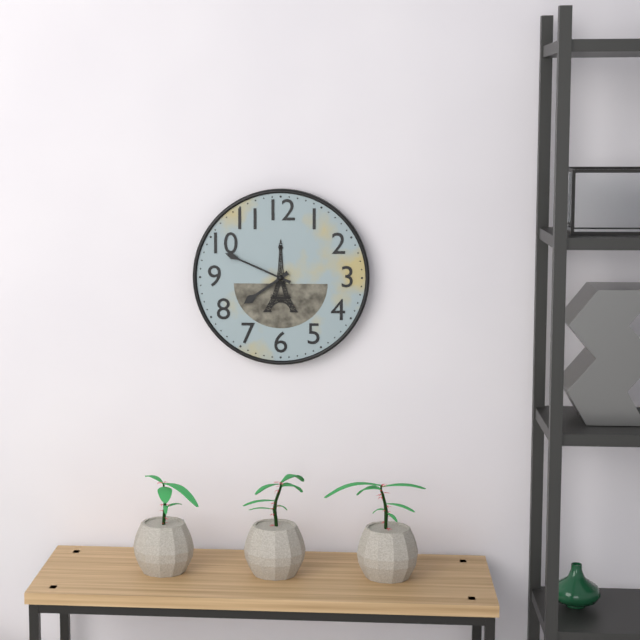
7:49
